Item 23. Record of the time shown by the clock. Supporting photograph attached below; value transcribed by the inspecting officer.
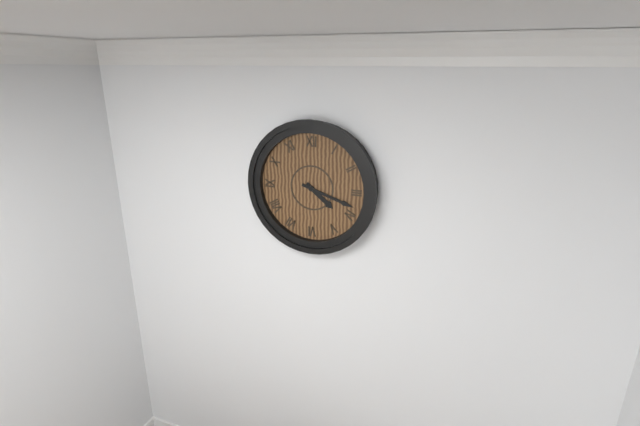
4:18
